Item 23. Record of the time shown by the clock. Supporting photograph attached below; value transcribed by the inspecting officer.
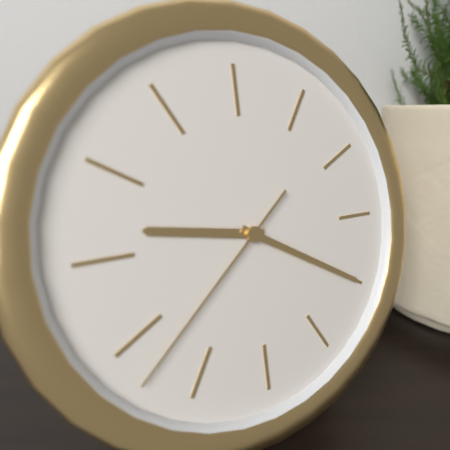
9:20:38
